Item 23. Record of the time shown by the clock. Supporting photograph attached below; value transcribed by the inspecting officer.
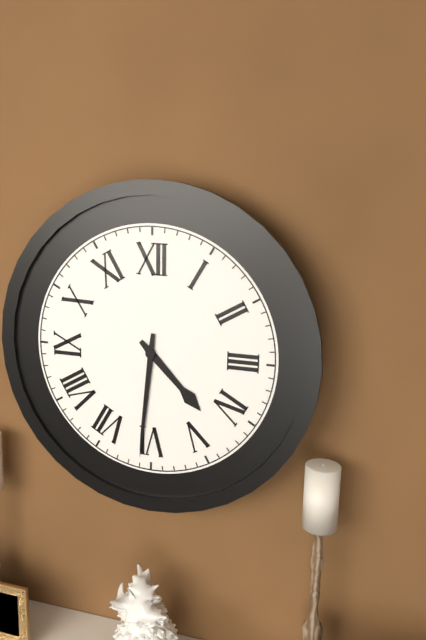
4:31
